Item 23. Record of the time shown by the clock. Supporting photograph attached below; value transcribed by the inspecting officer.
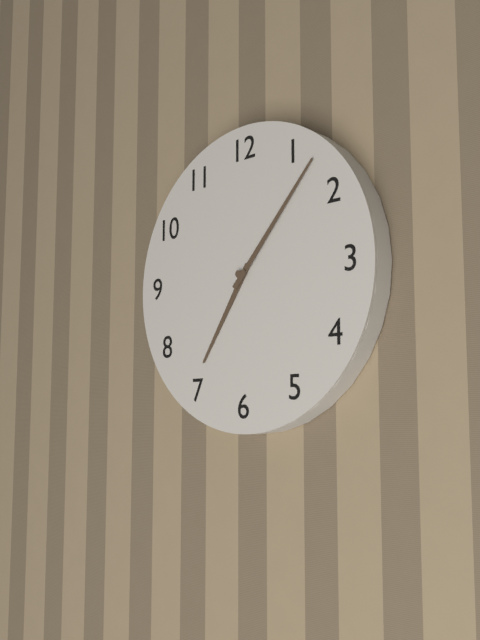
7:07
